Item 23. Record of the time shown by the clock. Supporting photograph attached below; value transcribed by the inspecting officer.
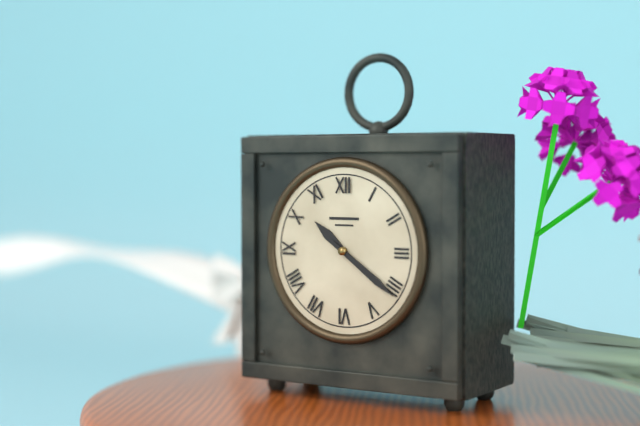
10:21
